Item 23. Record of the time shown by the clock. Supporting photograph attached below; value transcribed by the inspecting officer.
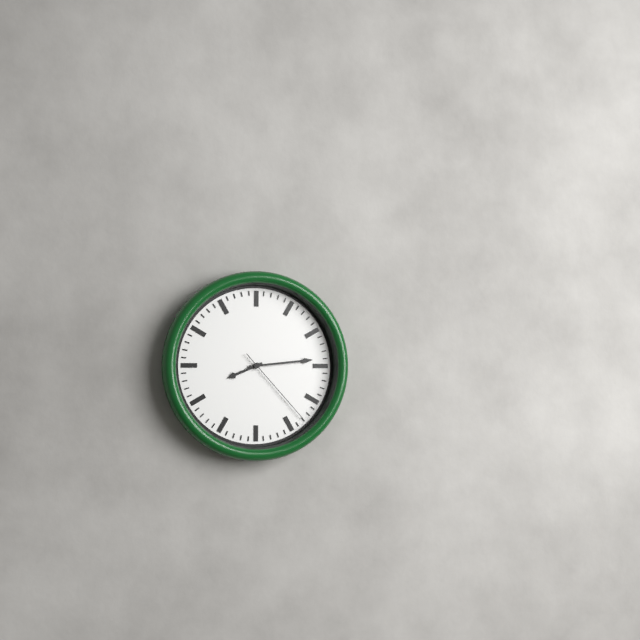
8:14:23
